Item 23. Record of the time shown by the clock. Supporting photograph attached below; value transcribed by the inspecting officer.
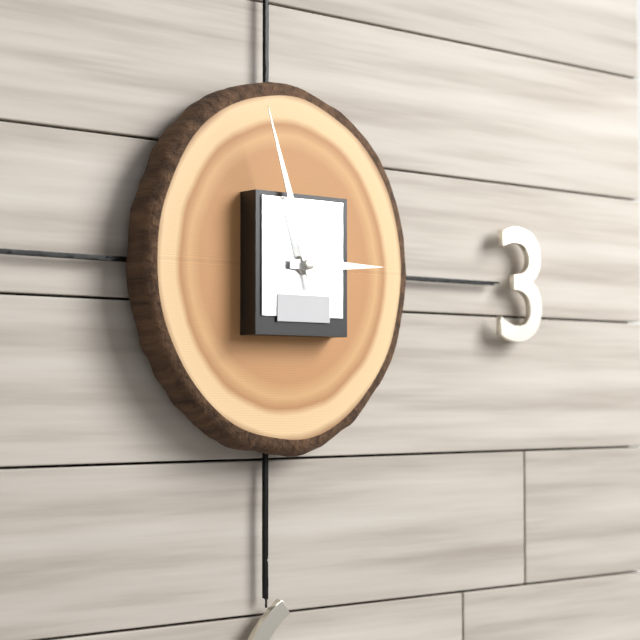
2:57
